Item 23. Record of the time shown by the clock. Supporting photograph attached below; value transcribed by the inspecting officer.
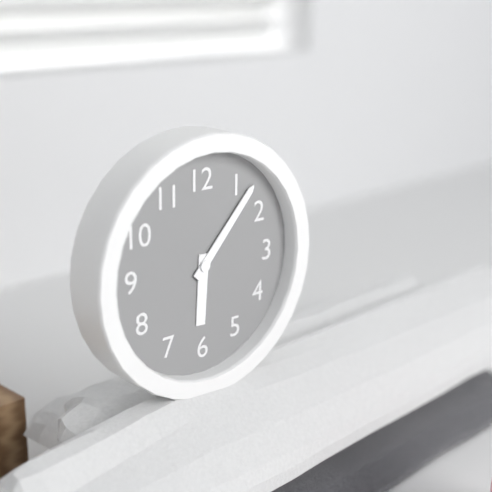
6:07
